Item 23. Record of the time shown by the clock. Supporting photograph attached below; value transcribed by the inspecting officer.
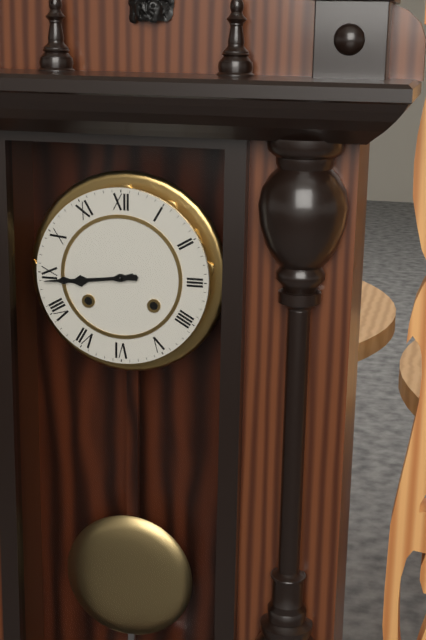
8:44
